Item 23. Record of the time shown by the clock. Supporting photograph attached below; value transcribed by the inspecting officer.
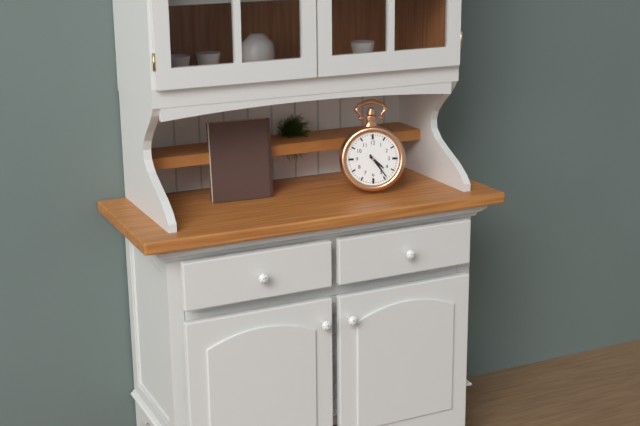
4:24
